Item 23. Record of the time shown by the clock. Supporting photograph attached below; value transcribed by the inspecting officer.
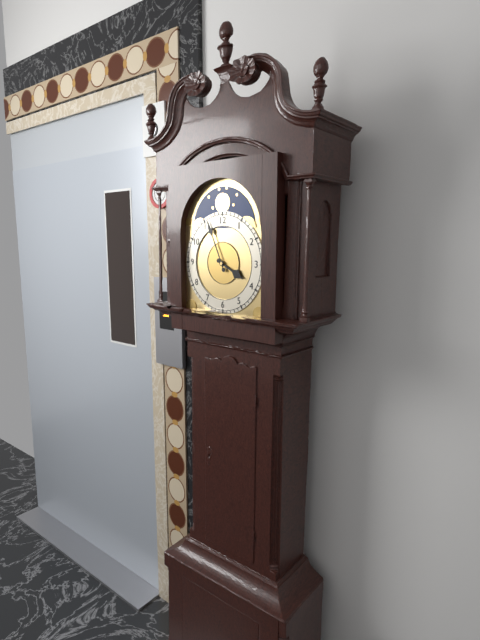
3:56
